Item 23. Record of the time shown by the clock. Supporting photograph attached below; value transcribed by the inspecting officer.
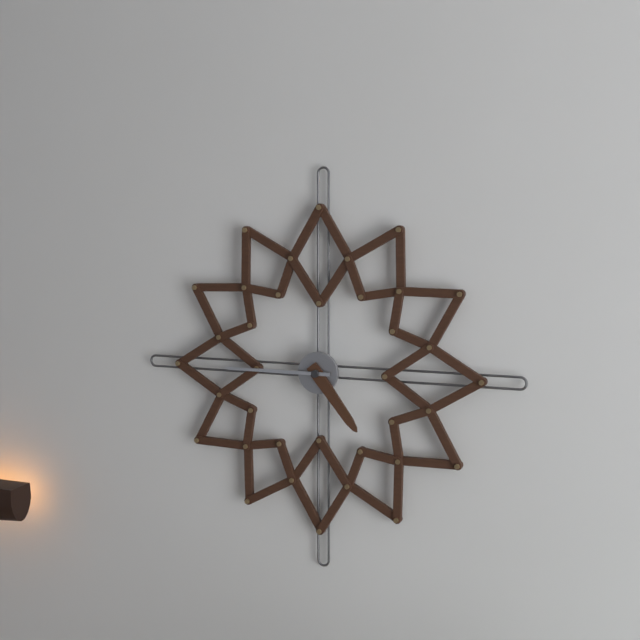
4:45
